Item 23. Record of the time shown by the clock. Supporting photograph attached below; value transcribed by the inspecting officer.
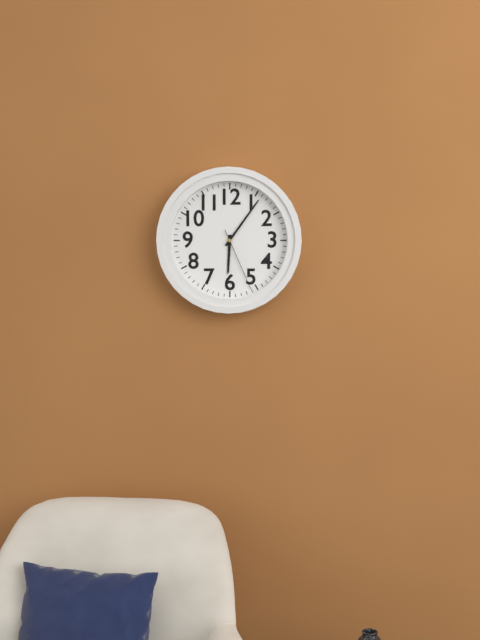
6:06:26
